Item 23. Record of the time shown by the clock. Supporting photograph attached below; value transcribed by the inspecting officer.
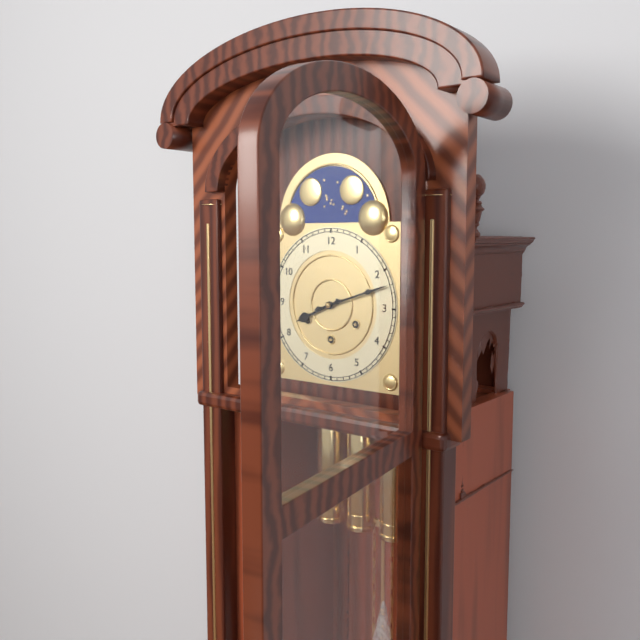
8:12
